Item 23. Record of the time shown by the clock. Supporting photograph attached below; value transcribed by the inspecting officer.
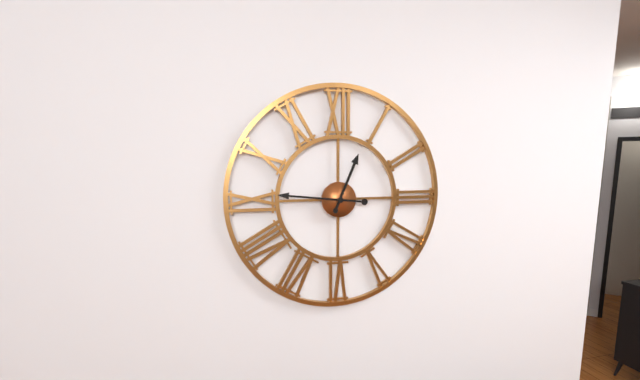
12:46
